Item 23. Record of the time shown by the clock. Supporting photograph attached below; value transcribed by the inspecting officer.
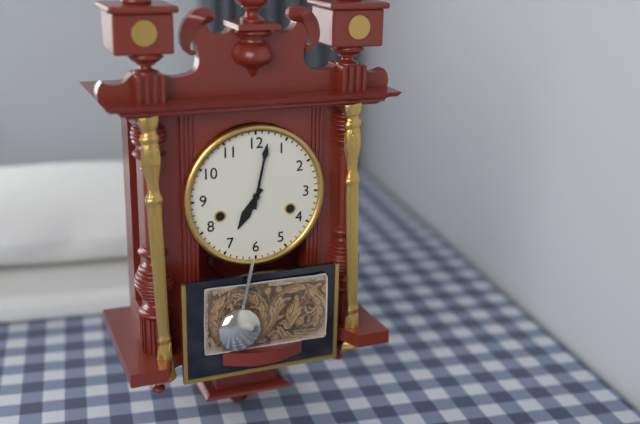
7:02
